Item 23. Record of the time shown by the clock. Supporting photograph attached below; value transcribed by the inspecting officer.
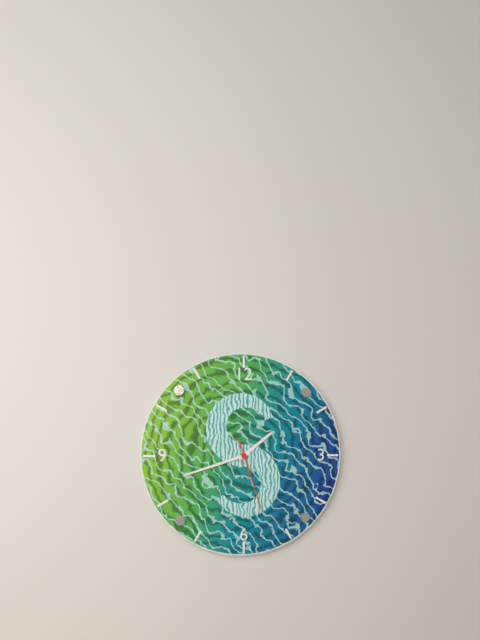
1:42:27
